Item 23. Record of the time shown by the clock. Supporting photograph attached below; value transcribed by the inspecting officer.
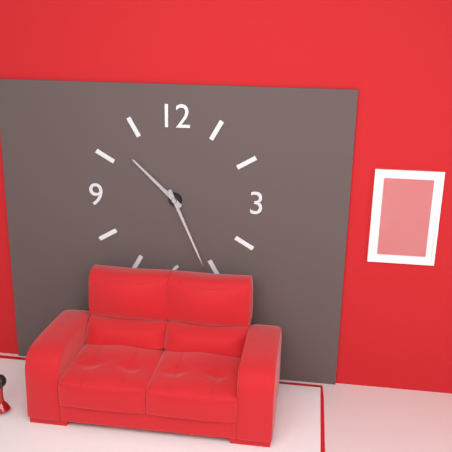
10:26
